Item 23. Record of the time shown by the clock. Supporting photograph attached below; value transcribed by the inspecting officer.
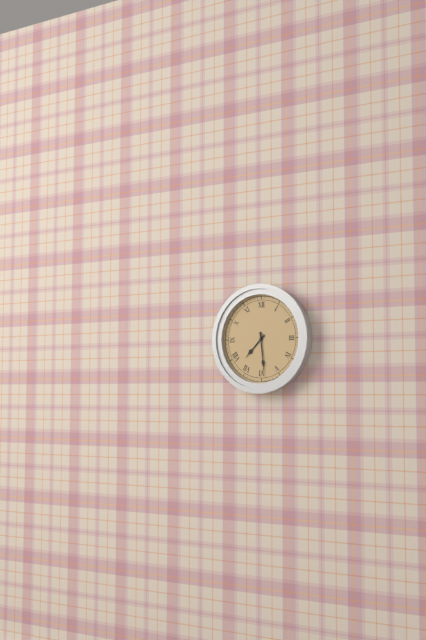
7:29
